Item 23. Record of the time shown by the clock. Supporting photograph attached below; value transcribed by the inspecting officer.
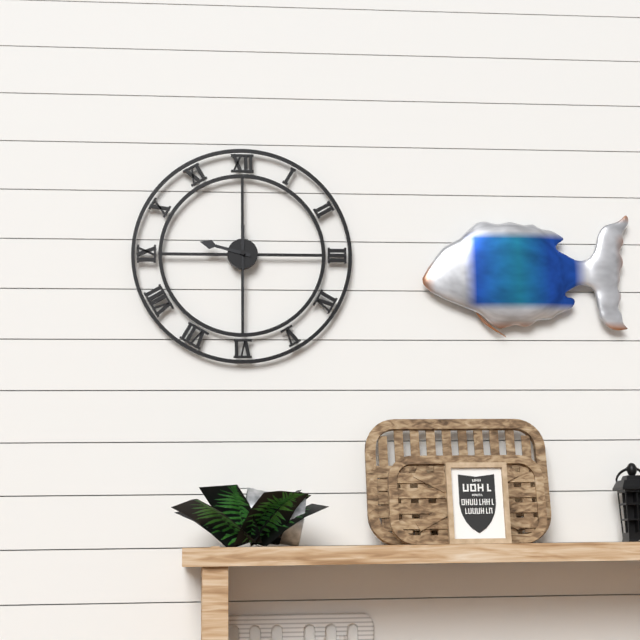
9:30
